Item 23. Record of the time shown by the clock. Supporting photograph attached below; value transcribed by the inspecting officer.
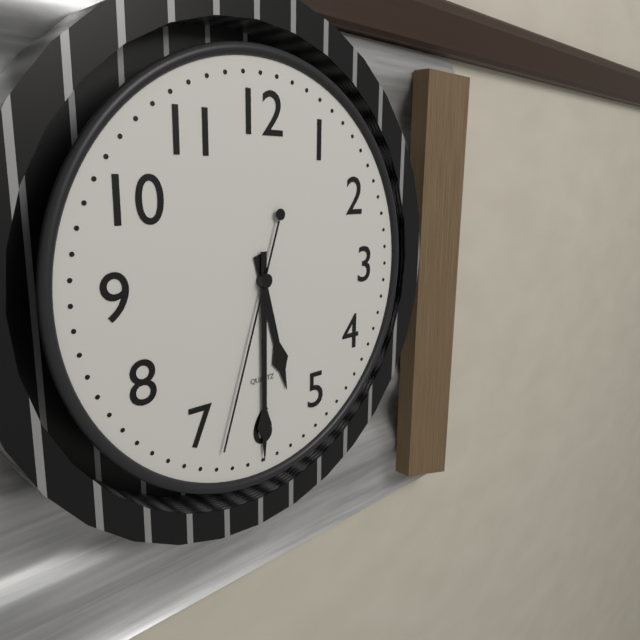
5:30:33
